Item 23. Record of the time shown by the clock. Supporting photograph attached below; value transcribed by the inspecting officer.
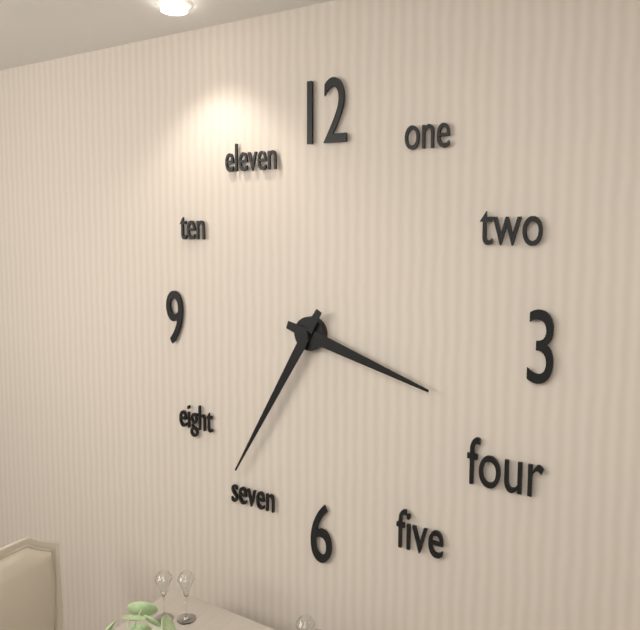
3:35
